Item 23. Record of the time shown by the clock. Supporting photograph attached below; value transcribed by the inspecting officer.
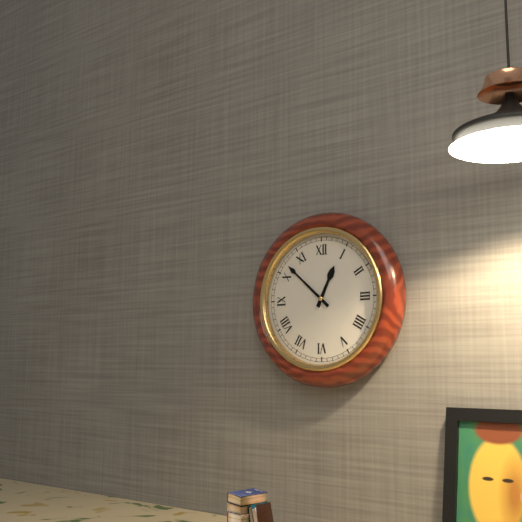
12:52
